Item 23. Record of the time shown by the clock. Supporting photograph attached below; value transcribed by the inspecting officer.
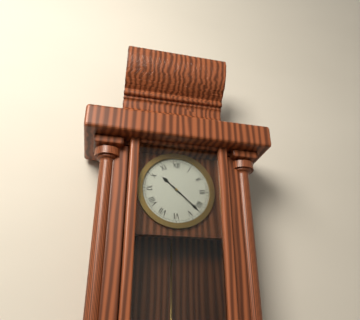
10:22
